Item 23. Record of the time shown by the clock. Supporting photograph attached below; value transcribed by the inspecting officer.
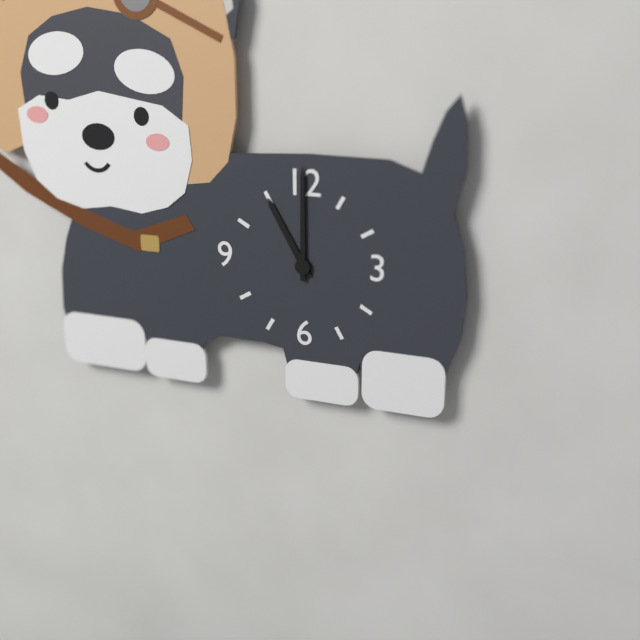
11:00
